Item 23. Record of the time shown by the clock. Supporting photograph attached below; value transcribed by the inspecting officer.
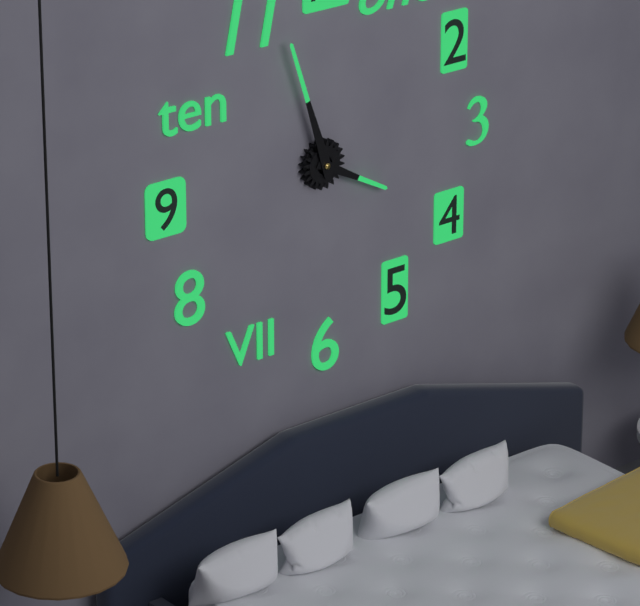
3:57
